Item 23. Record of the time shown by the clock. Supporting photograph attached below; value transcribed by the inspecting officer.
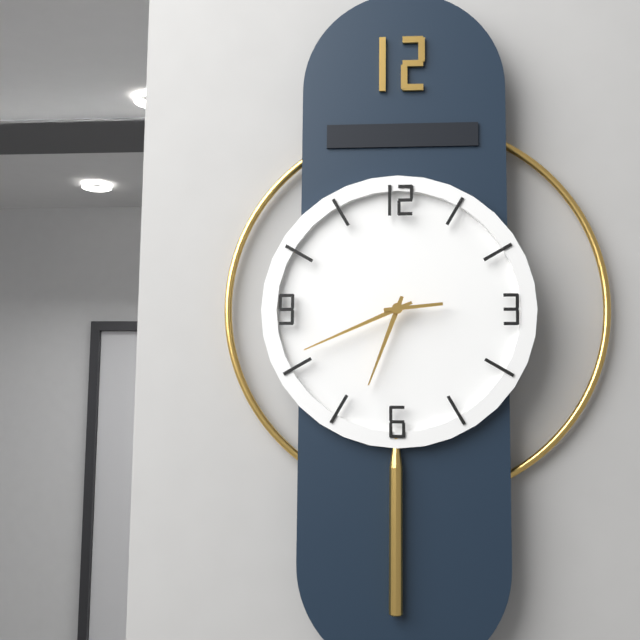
6:41:14
